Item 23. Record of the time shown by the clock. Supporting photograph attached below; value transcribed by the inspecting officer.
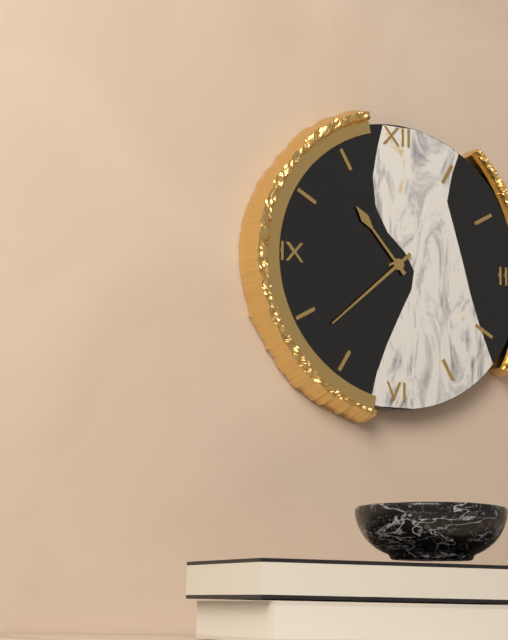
10:38
